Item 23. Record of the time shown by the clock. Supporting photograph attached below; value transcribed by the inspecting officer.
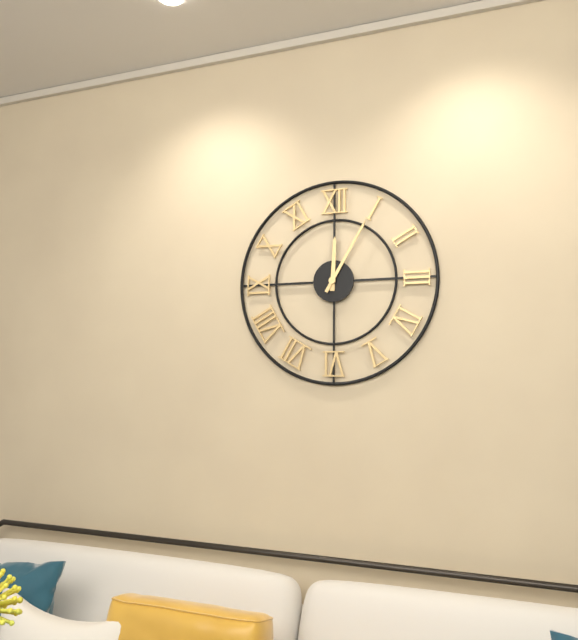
12:05
